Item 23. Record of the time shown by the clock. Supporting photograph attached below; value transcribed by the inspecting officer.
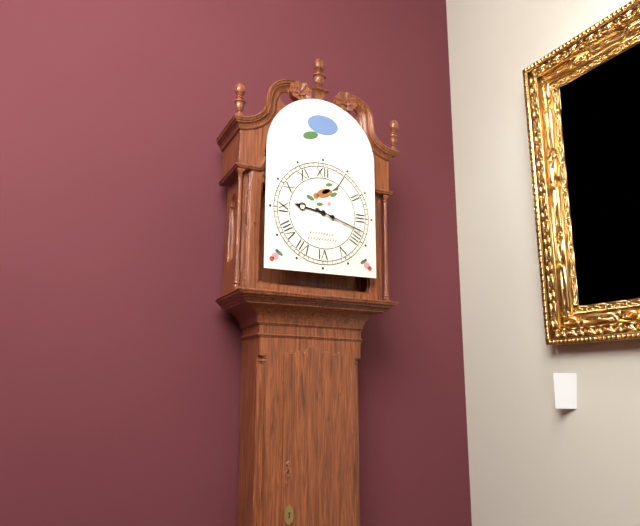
9:18
